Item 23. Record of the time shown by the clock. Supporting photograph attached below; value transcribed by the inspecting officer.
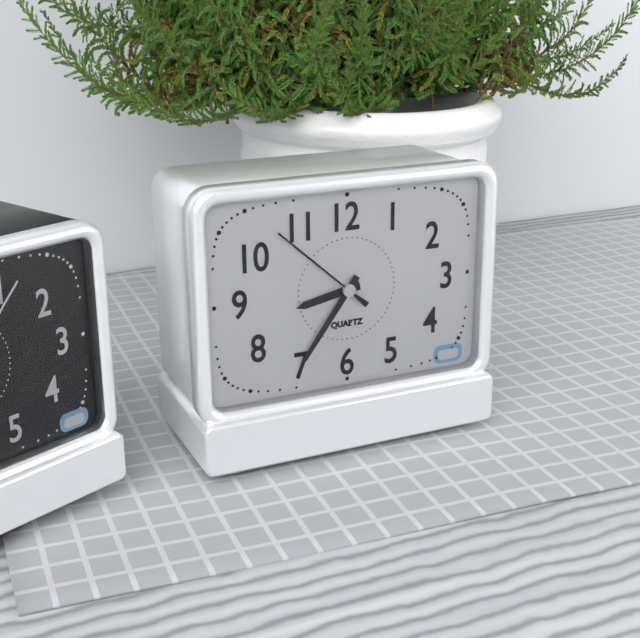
8:36:52
